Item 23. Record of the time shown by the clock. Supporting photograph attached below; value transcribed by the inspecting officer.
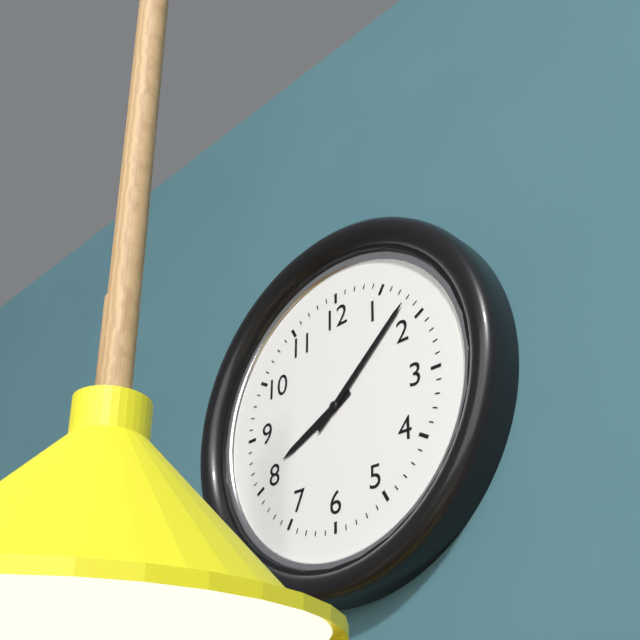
8:08
